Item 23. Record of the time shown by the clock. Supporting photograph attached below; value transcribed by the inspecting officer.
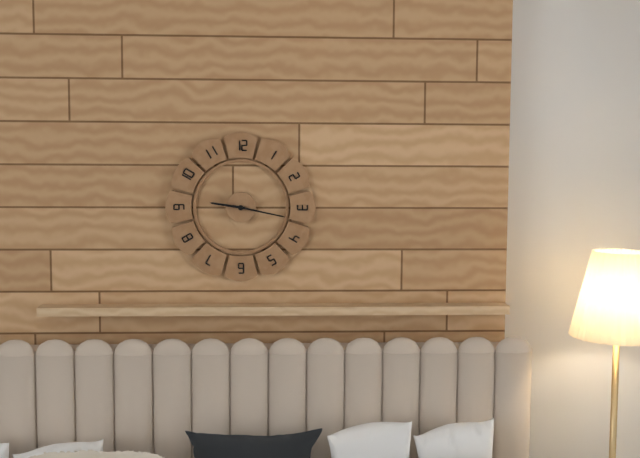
9:17
